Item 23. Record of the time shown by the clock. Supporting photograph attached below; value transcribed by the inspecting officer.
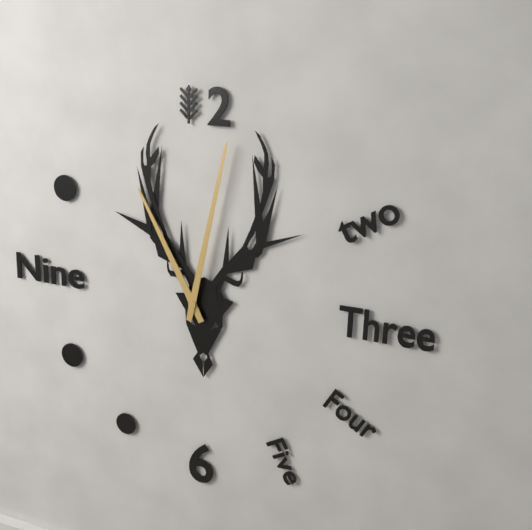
11:02
